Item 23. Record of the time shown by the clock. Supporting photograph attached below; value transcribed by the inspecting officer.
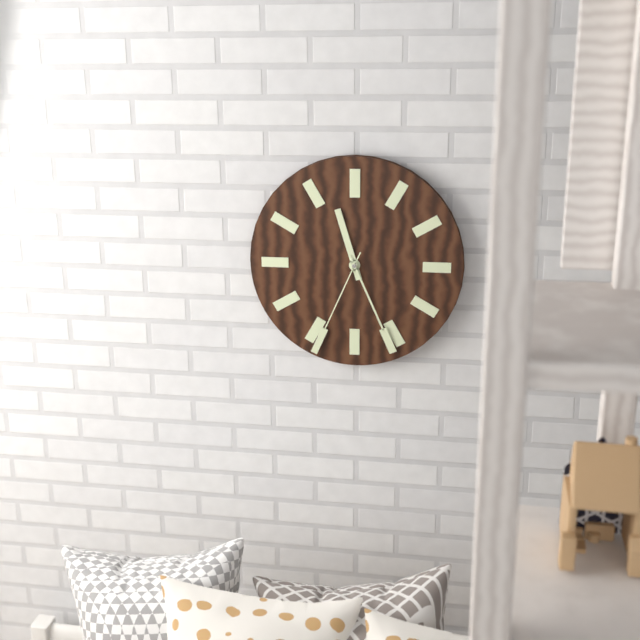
11:26:34
